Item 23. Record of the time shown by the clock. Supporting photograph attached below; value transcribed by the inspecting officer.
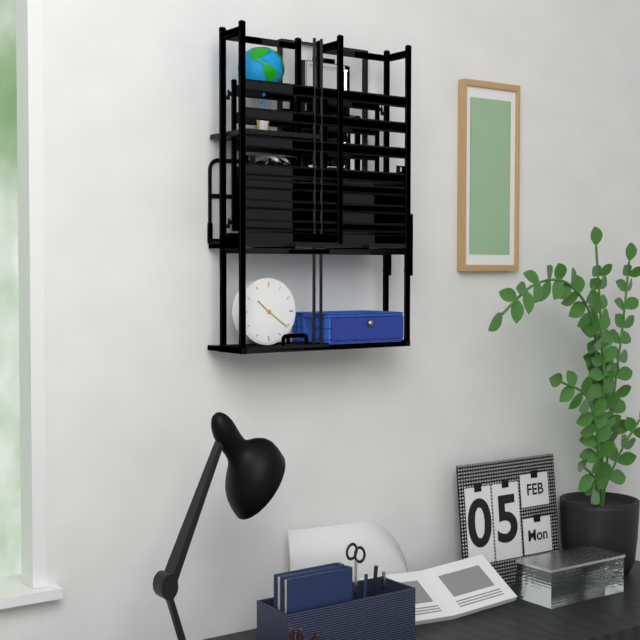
10:21
